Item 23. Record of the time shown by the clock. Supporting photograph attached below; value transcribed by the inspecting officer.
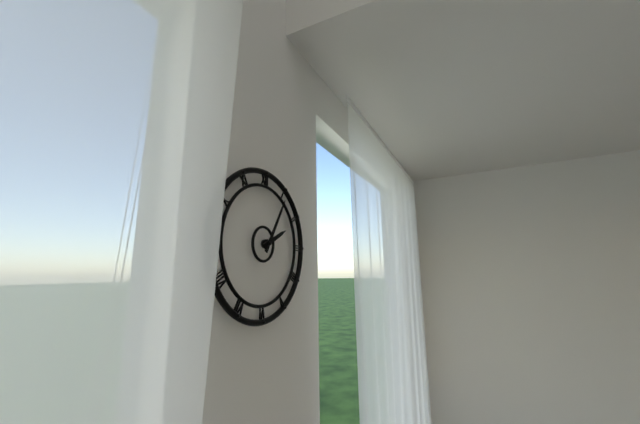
2:05
